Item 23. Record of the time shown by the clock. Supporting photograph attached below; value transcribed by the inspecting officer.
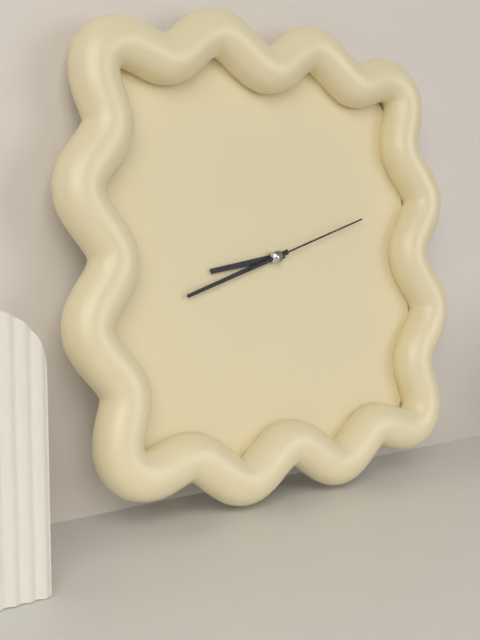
8:42:12
